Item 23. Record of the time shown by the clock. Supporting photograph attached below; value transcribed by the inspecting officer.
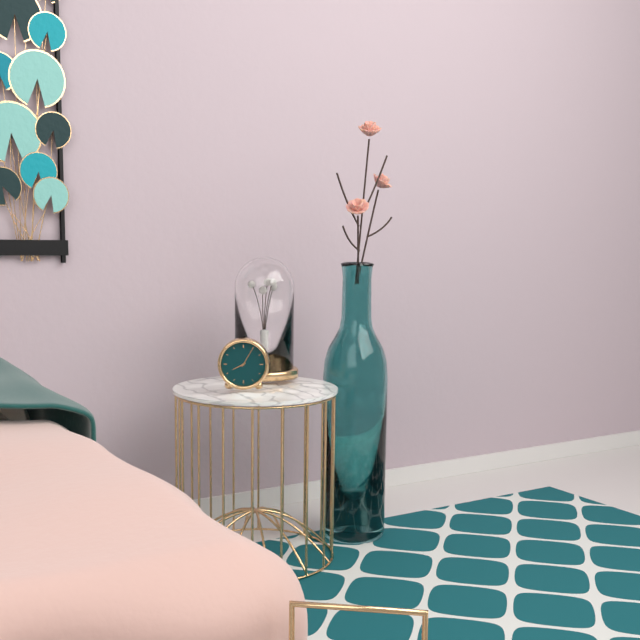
8:05
